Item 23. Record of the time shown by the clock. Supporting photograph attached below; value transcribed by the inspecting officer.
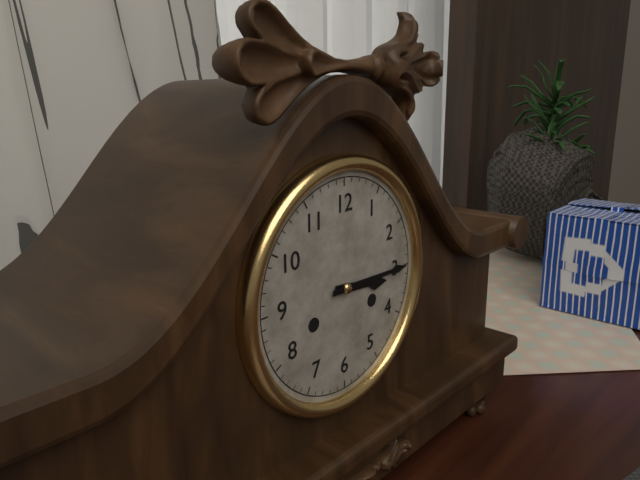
3:15
